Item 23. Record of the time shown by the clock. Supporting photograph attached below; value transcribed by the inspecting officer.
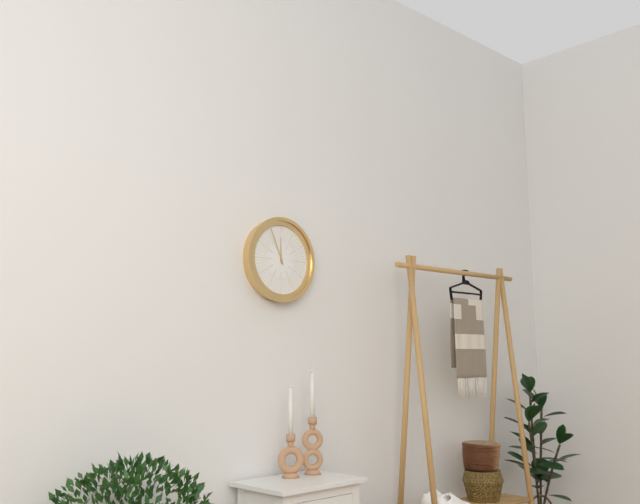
11:56
